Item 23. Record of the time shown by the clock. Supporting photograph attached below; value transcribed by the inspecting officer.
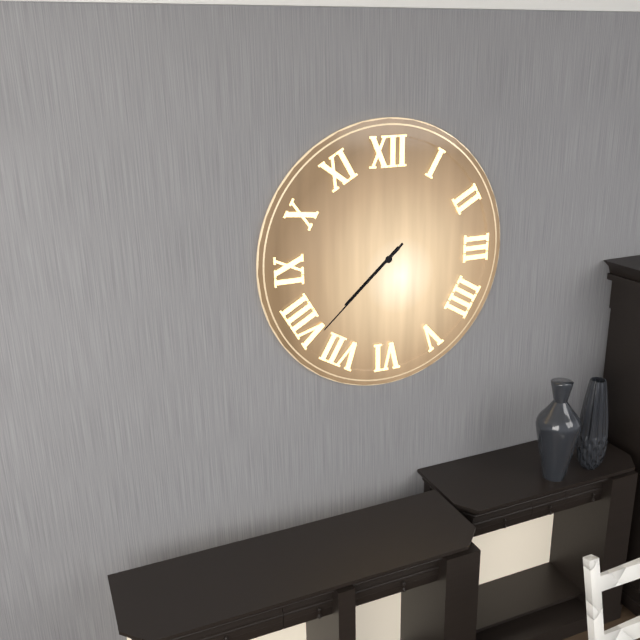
7:38
